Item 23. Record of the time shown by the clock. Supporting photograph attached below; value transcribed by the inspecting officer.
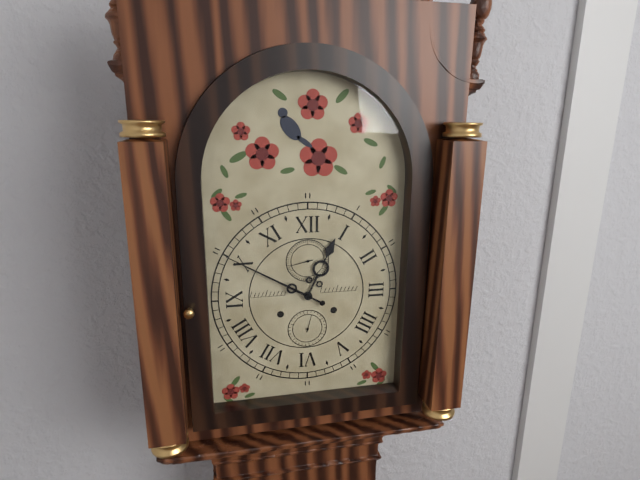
12:50
